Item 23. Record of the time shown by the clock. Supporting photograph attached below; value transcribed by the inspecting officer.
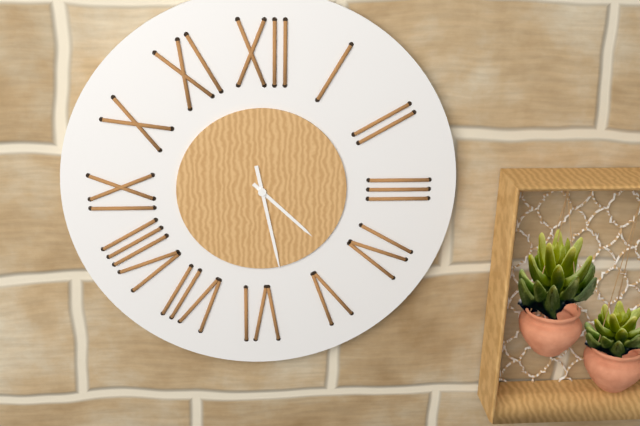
4:28
